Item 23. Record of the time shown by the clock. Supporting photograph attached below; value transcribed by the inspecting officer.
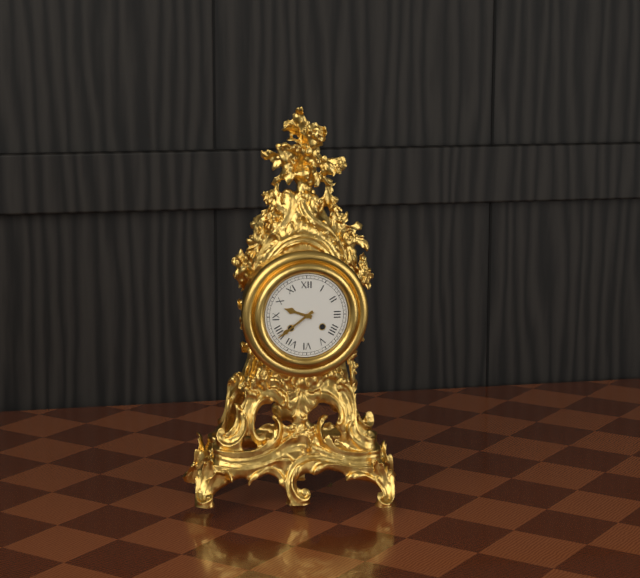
9:39
